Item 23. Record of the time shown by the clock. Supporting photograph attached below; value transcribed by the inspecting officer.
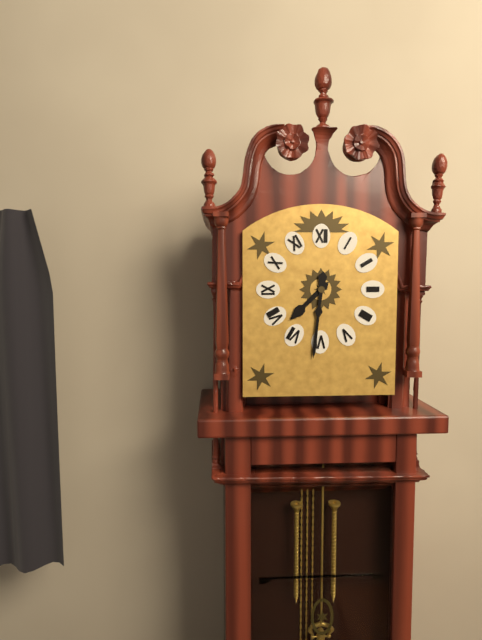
7:31
